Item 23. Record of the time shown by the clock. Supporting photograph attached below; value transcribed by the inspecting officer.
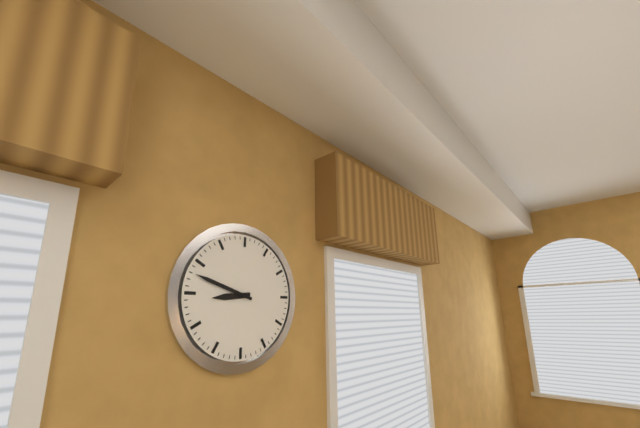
8:48
